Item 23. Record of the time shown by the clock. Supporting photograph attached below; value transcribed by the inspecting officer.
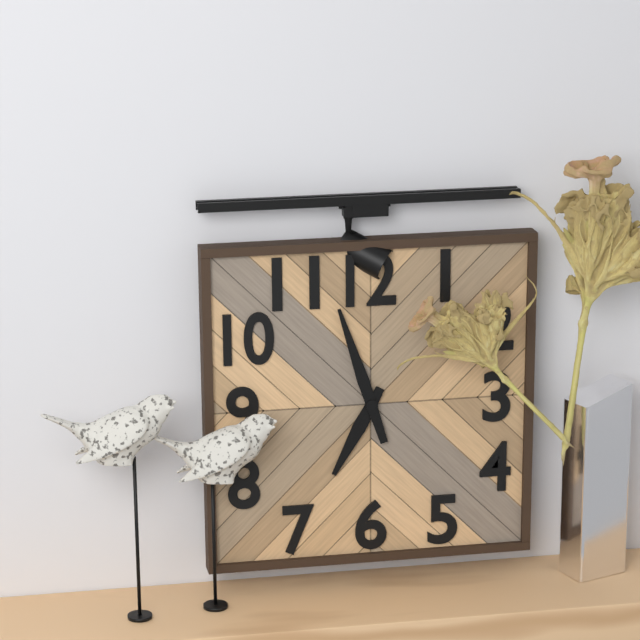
6:57
